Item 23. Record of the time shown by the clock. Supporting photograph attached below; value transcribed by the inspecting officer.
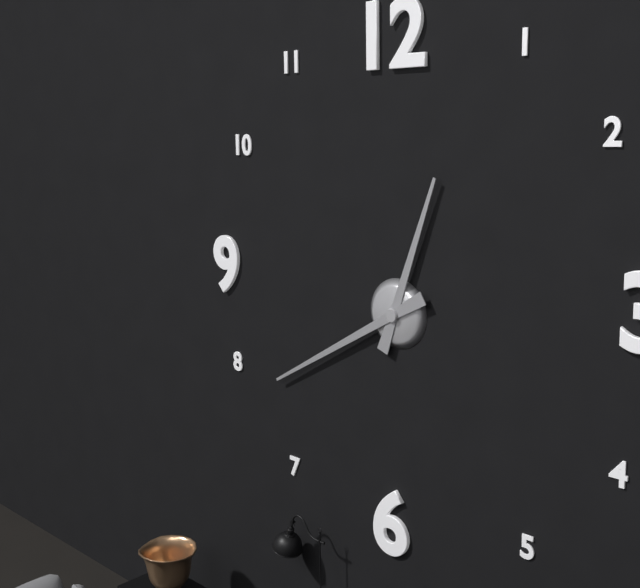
12:40
